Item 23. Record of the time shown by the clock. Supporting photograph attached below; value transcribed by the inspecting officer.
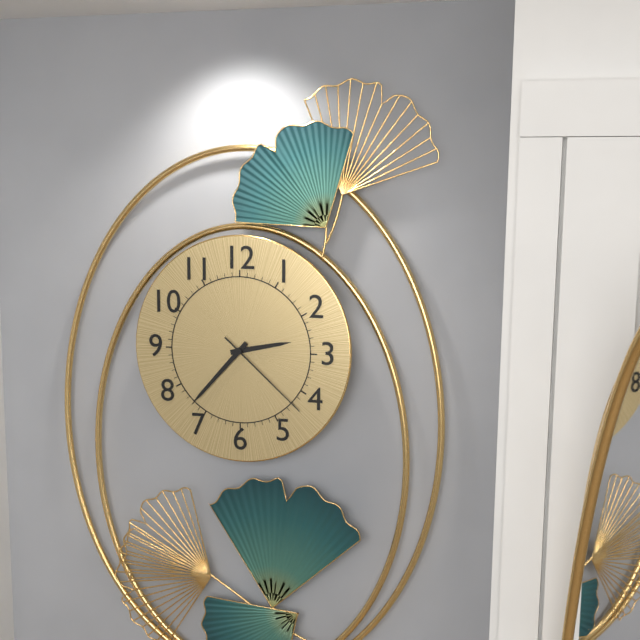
2:37:22
